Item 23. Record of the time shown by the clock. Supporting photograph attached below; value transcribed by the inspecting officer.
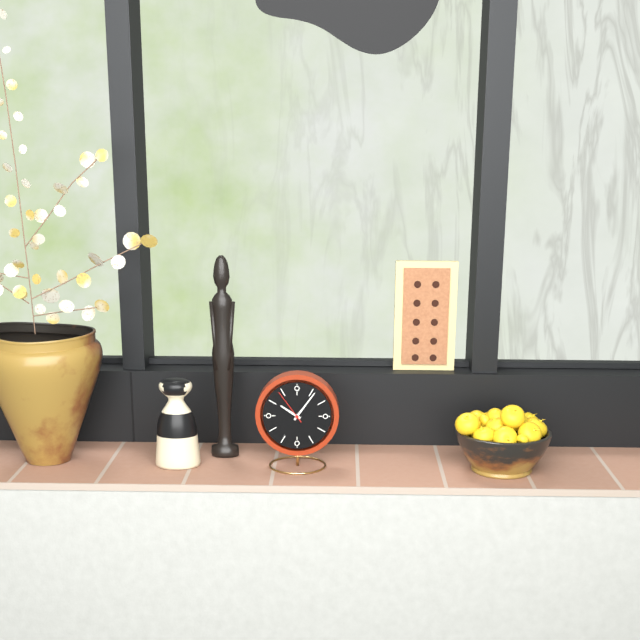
10:06
